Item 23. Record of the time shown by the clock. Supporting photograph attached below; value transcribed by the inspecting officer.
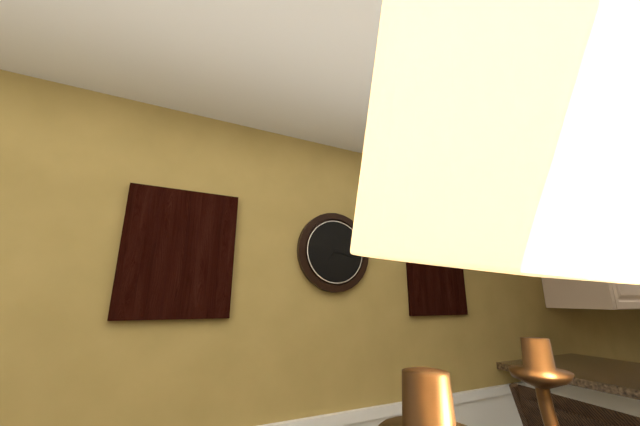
7:17
